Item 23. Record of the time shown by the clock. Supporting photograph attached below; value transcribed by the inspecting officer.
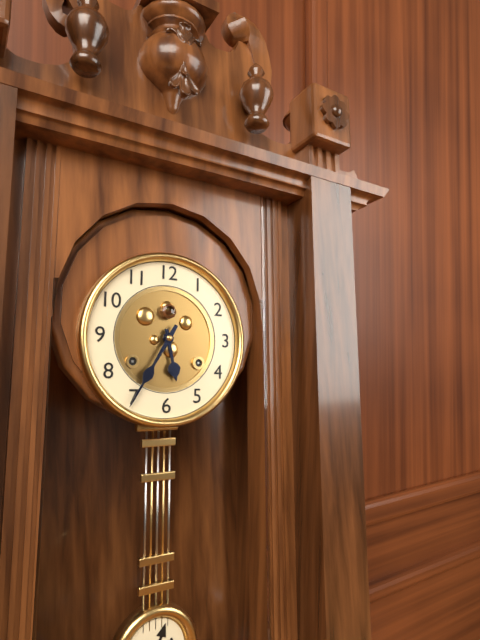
5:35
